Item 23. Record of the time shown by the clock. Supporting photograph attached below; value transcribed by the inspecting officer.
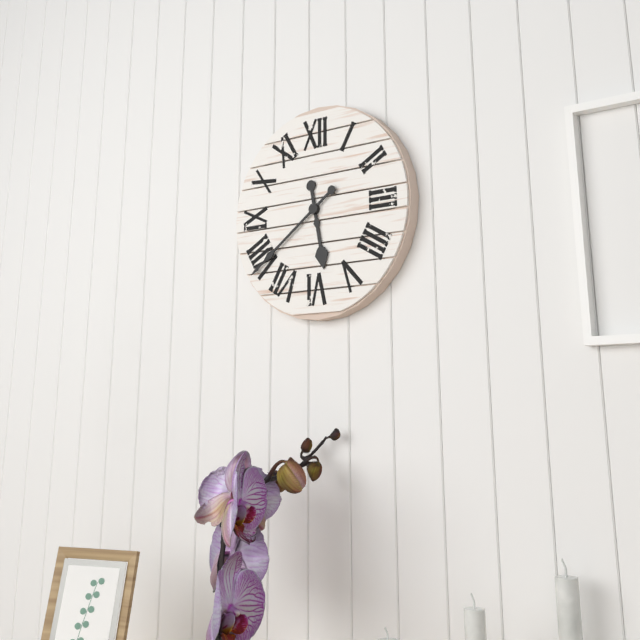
5:39
